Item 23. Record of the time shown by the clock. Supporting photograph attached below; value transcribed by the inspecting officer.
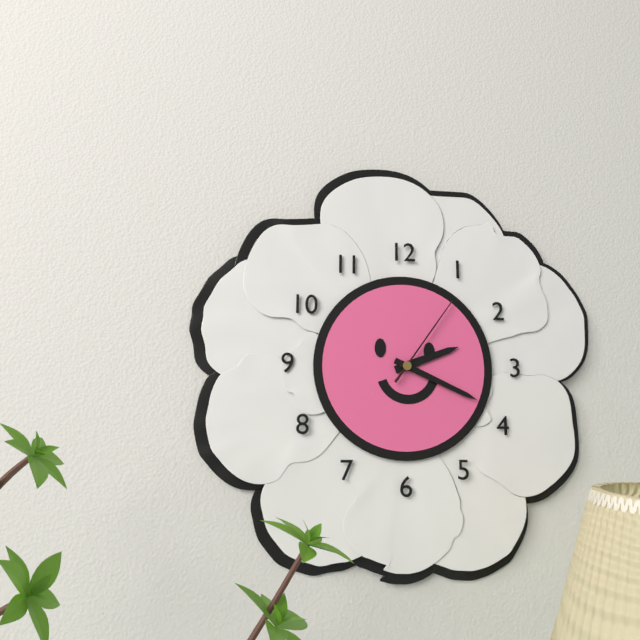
2:19:06
